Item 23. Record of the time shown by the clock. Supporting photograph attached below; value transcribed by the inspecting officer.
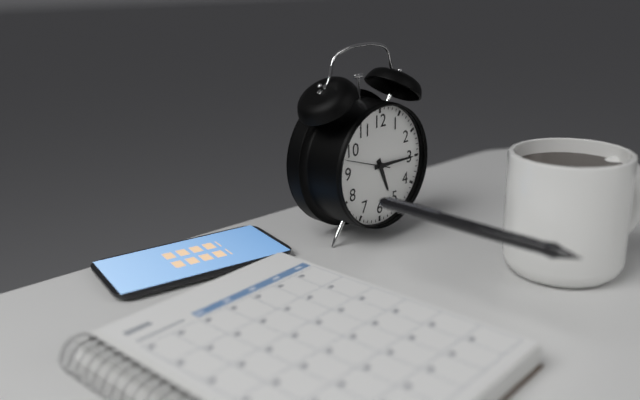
5:15
